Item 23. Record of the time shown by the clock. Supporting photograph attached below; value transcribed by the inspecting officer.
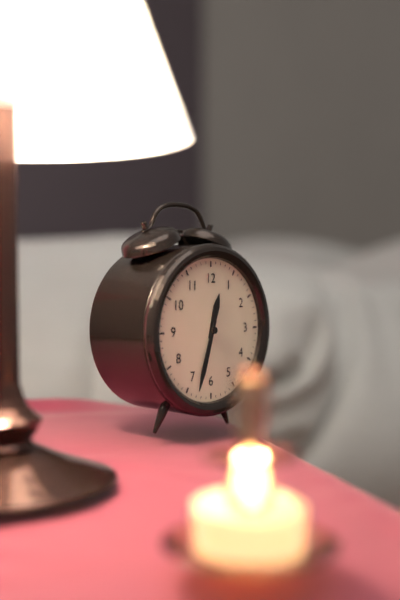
12:33
